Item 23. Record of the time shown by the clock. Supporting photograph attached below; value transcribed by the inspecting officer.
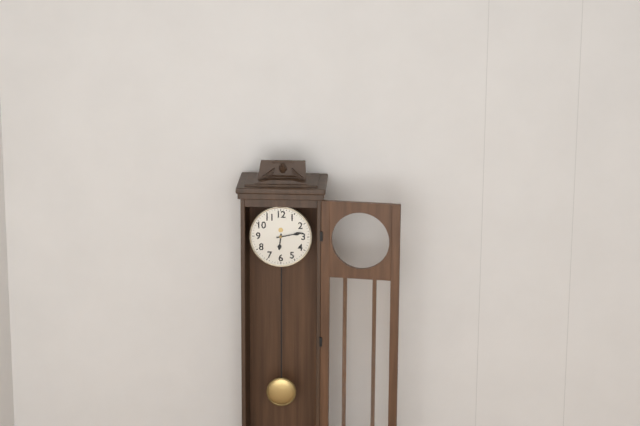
6:13
